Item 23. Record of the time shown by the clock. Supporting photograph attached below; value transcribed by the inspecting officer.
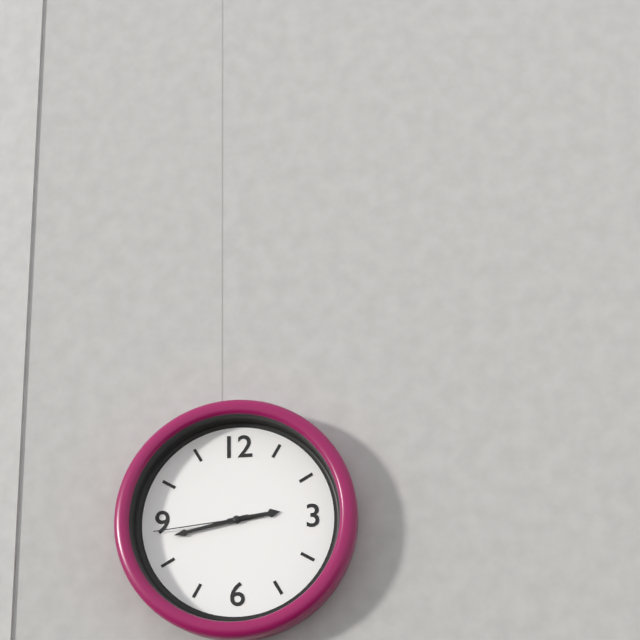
2:43:44
